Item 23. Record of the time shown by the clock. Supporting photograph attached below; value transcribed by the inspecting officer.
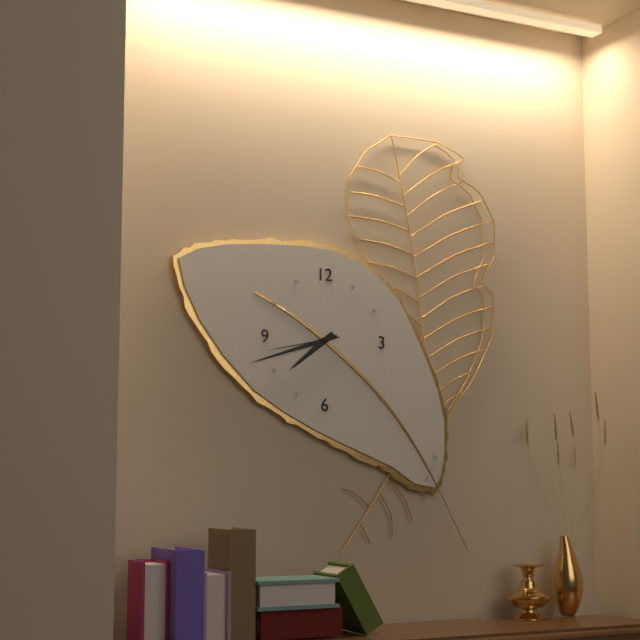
7:42:43
